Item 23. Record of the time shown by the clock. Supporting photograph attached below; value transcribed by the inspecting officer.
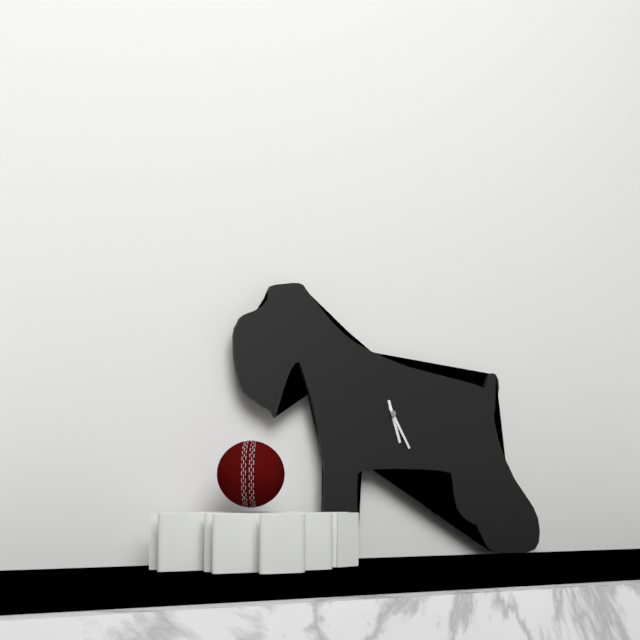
5:25
